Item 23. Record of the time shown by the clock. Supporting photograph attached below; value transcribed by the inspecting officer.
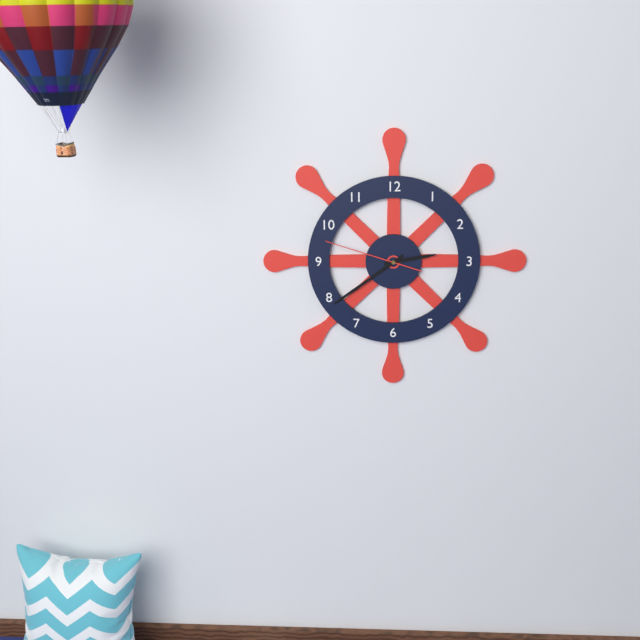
2:39:48
